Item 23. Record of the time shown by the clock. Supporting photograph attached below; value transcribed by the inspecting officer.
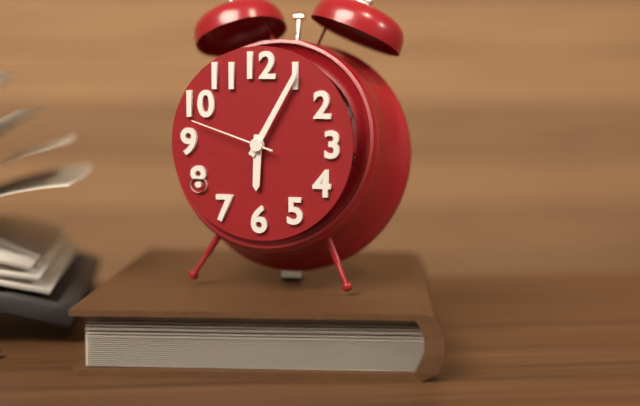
6:05:48
